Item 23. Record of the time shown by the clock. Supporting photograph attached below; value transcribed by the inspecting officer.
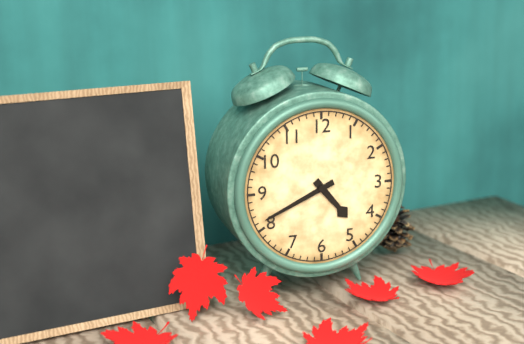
4:41
